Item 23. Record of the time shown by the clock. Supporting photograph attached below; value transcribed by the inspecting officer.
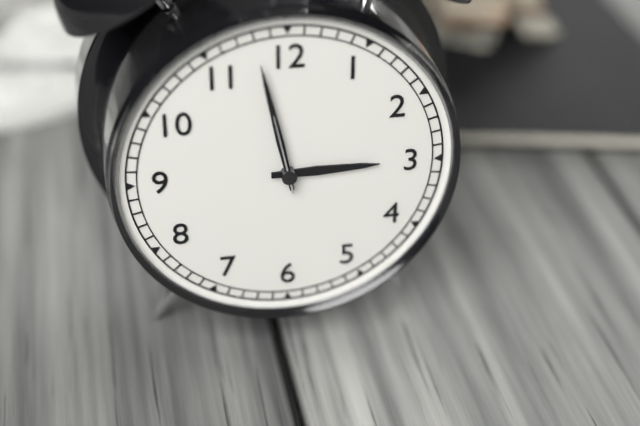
2:58:58
